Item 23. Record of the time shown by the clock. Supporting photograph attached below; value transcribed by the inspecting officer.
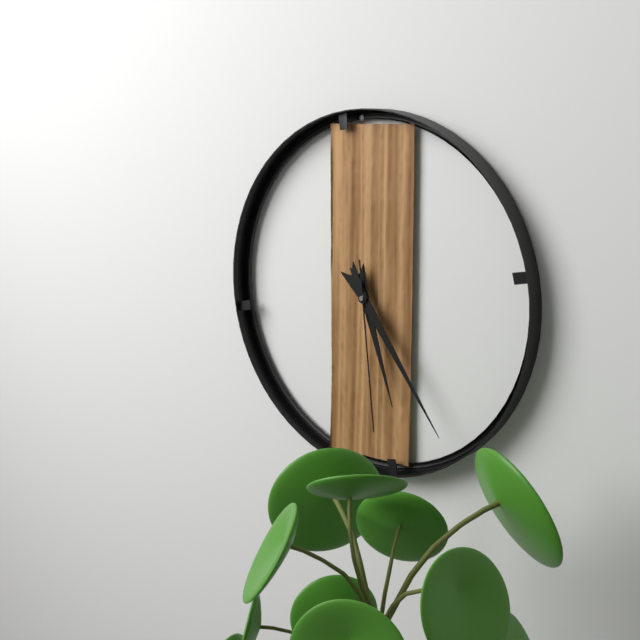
5:24:29
